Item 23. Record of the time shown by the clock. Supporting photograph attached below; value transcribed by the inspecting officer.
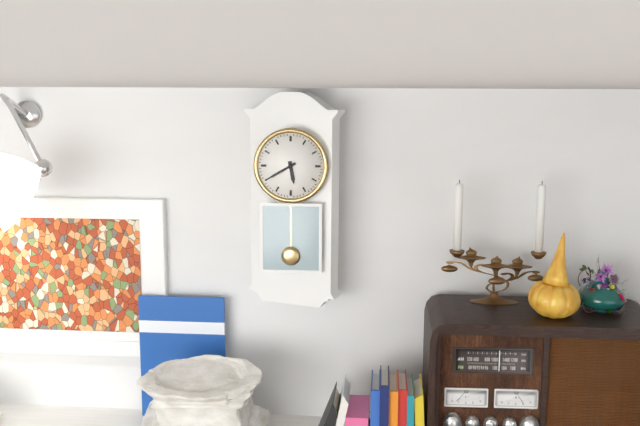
5:40
